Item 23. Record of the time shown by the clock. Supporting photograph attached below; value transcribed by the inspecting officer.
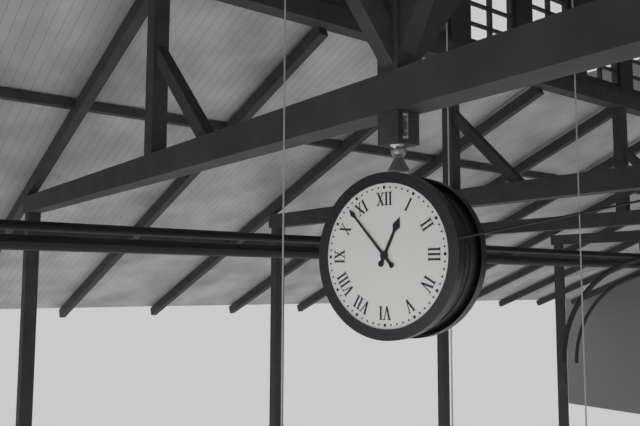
12:53
